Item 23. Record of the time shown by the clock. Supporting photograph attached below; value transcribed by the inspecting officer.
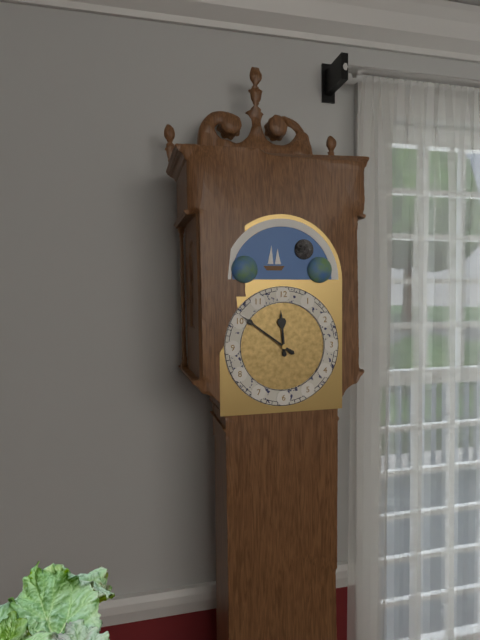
11:51
